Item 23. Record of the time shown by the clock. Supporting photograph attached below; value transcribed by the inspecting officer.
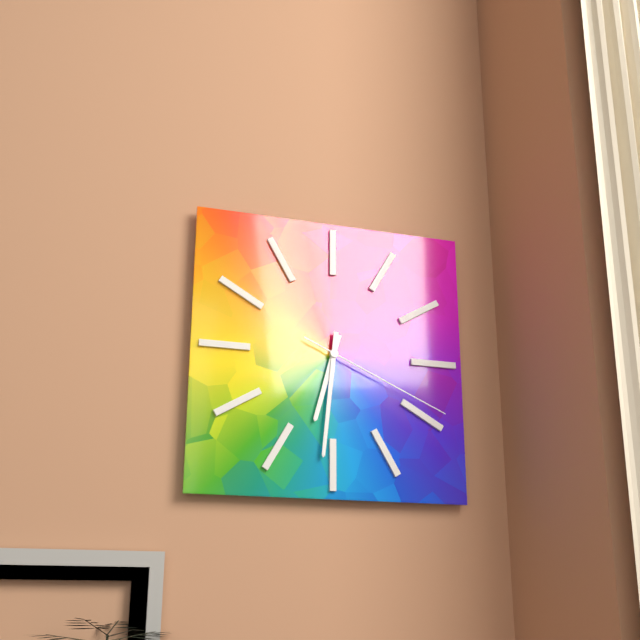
6:31:19
